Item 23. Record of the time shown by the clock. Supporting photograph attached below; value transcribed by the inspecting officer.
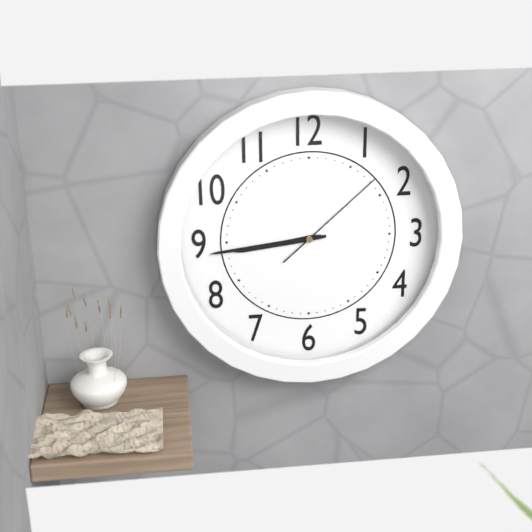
8:44:08
